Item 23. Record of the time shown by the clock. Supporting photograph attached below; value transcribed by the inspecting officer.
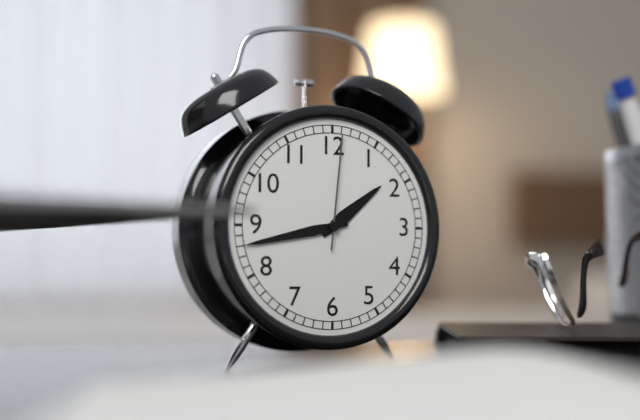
1:43:01
